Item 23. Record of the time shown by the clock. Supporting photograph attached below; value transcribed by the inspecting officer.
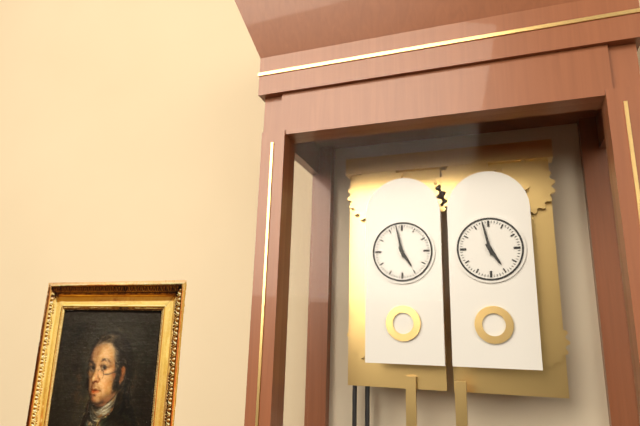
4:58
